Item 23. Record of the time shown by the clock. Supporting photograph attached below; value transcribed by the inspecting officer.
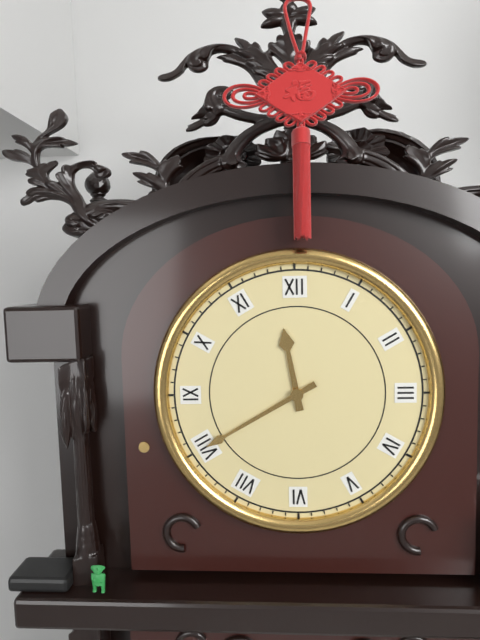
11:40
